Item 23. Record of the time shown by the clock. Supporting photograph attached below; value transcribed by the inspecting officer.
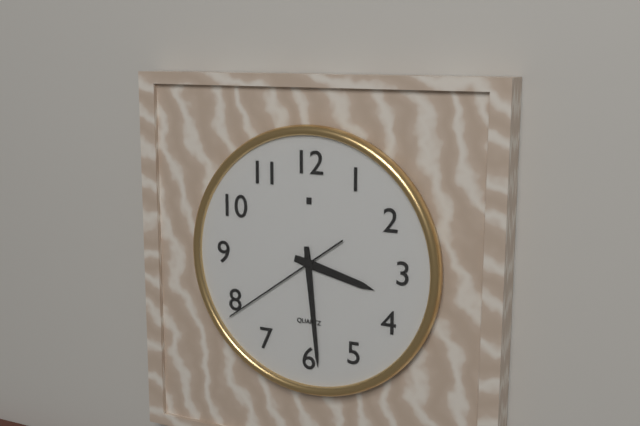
3:29:39
